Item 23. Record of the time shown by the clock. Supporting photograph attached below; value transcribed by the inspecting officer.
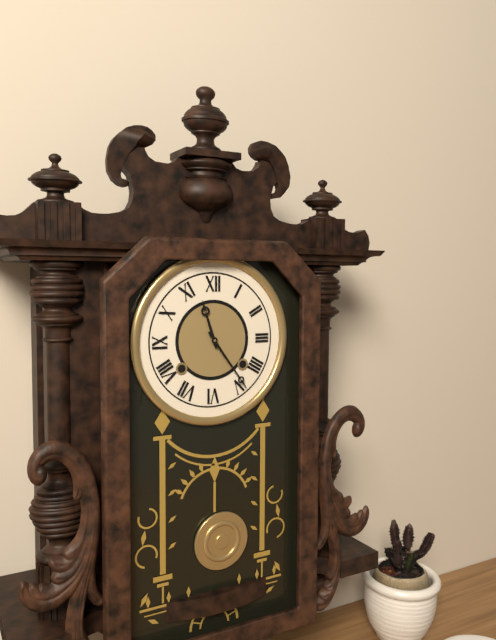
11:24
